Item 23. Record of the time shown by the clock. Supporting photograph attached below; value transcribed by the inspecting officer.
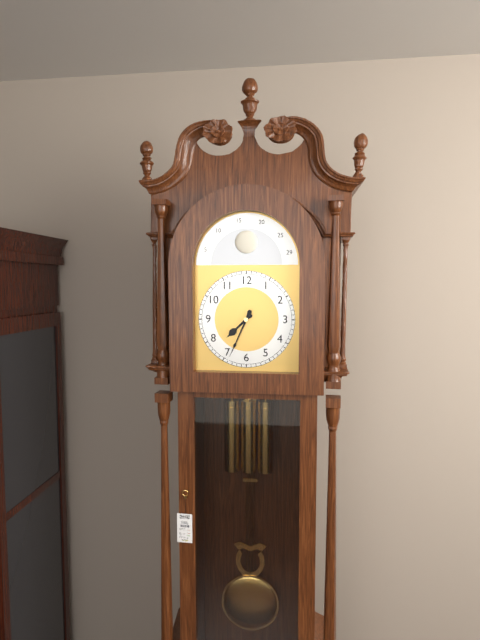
7:34
